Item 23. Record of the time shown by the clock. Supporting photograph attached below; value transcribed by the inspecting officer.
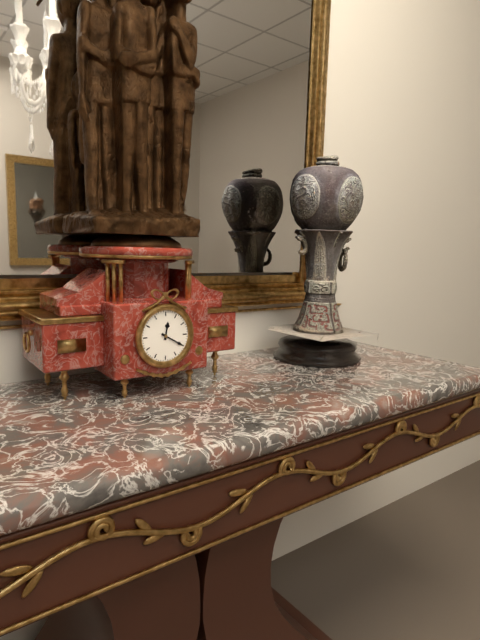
12:20
